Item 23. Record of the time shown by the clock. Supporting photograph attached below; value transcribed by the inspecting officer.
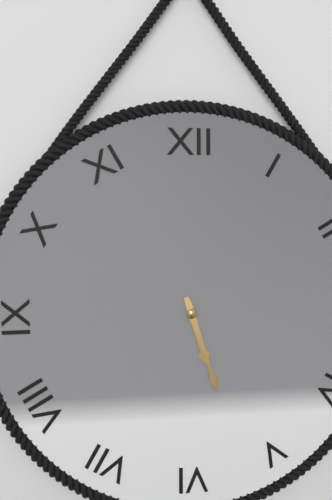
5:27
